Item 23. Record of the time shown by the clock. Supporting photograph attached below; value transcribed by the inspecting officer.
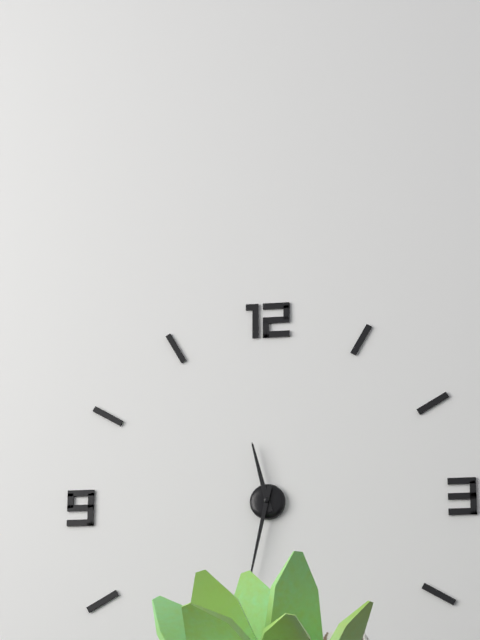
11:32
